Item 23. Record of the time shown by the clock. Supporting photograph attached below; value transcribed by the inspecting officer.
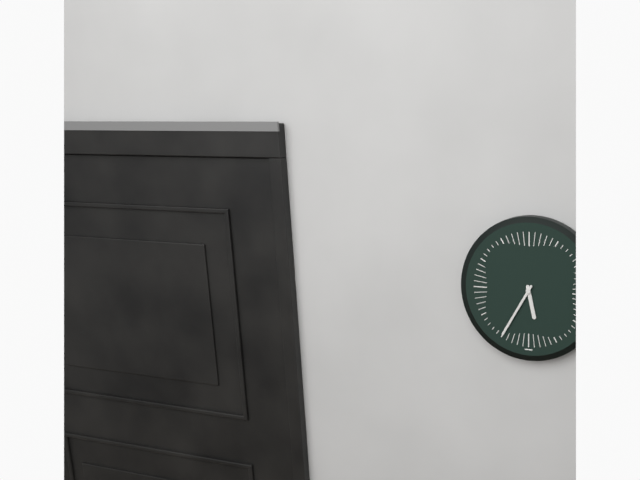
5:35
